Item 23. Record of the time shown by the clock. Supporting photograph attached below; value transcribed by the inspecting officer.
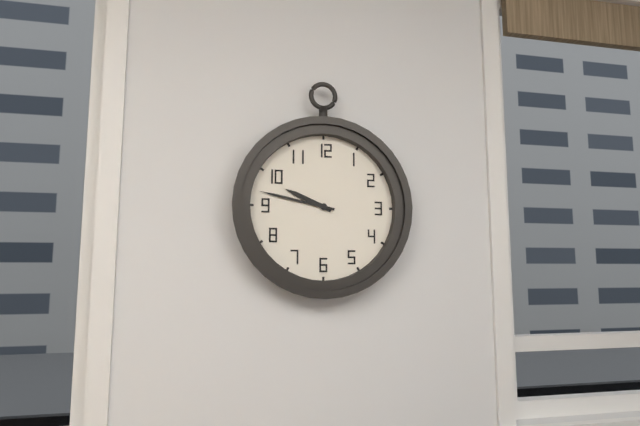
9:47
